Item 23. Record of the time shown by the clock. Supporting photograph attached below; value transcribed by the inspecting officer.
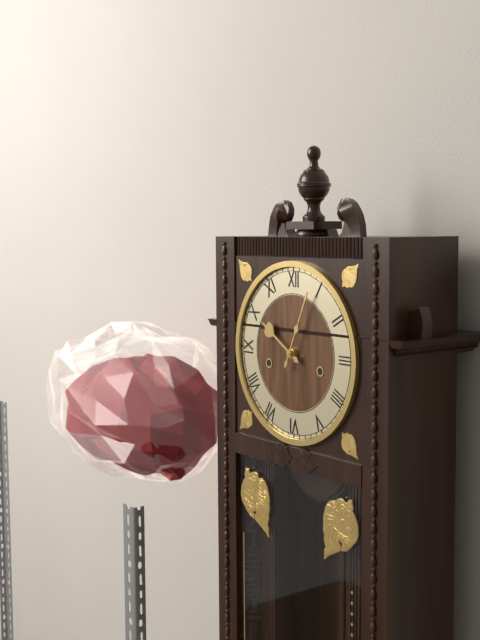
10:04
